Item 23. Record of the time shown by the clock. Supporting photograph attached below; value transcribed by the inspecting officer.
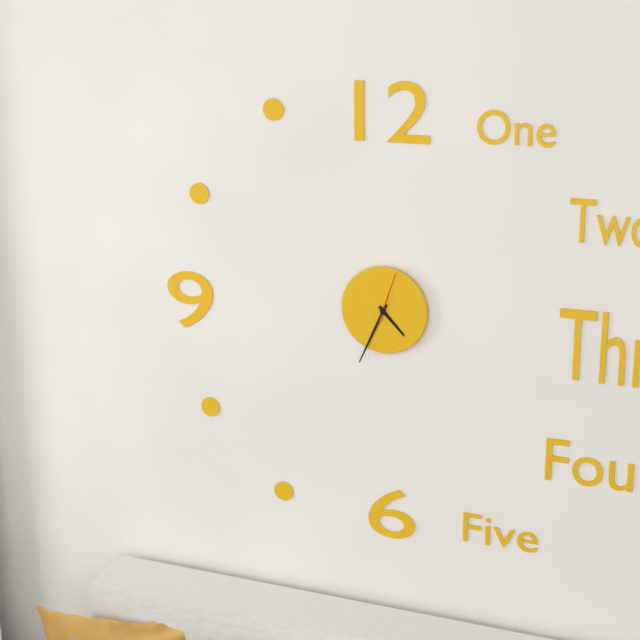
4:34:03
